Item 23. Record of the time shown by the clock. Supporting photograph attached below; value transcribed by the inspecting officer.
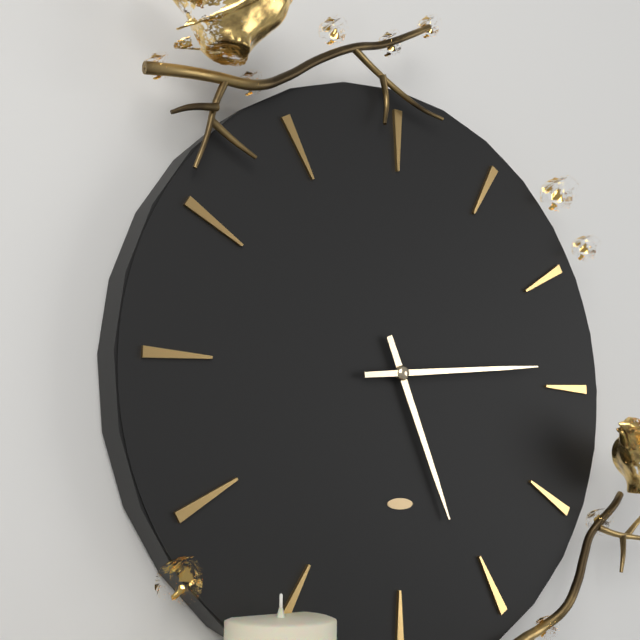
5:14
